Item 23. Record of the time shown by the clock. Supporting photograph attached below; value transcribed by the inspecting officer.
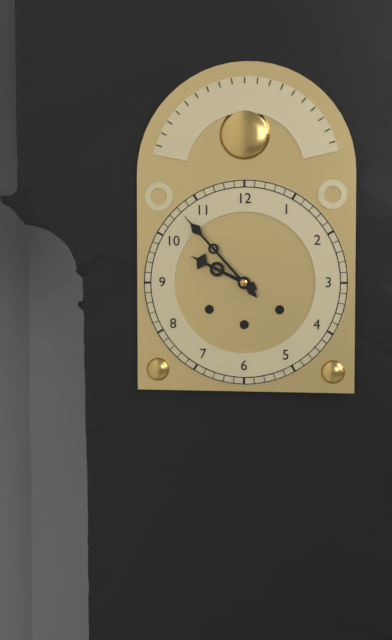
9:53
